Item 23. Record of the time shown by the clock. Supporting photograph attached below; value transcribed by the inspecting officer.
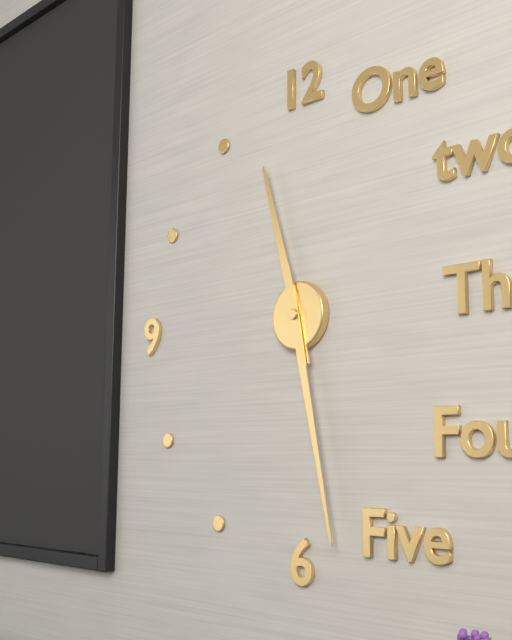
11:28
